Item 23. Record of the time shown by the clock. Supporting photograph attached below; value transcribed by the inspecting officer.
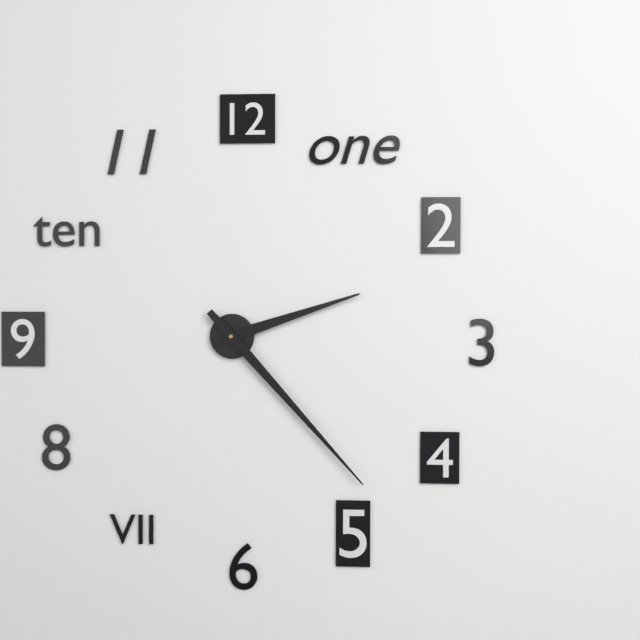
2:23
